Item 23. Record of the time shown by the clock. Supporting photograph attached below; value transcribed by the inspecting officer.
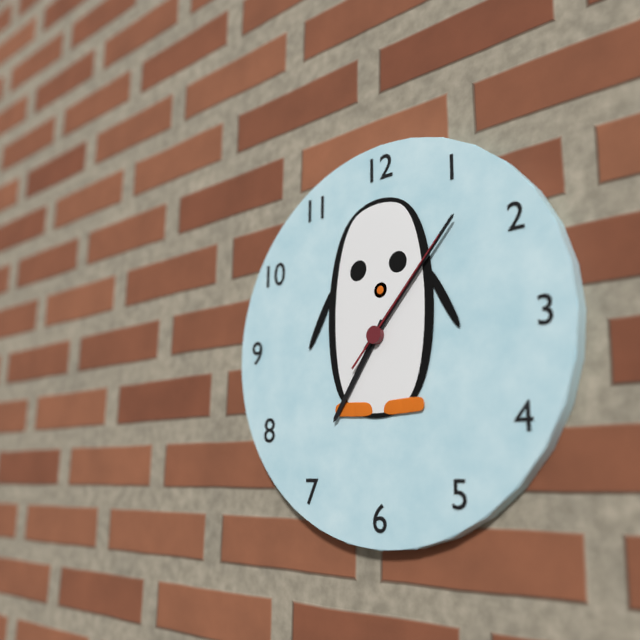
7:07:07
